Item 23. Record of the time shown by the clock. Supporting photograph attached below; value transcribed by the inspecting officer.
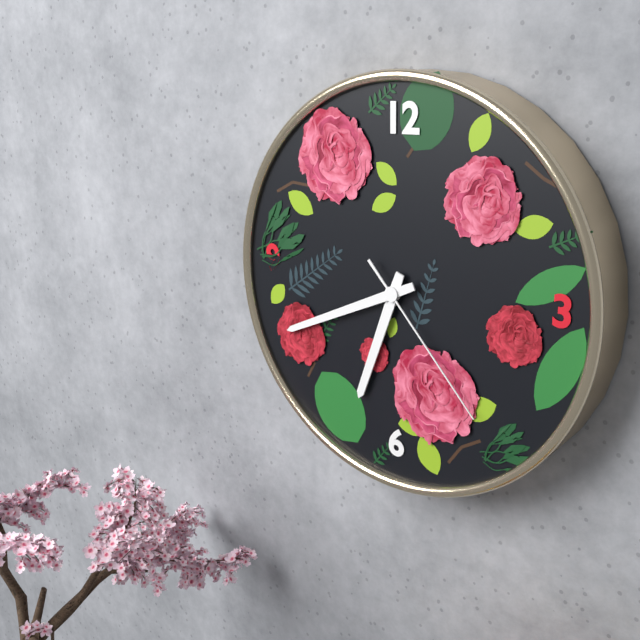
6:41:23
